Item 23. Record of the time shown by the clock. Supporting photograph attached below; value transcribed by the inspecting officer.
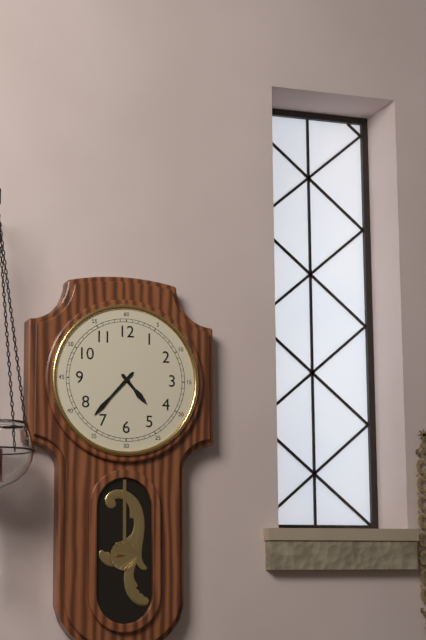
4:37
